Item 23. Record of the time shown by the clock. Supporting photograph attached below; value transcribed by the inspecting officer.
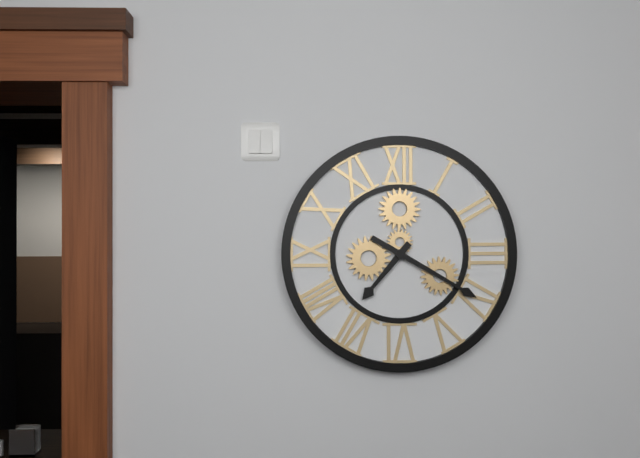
7:20
